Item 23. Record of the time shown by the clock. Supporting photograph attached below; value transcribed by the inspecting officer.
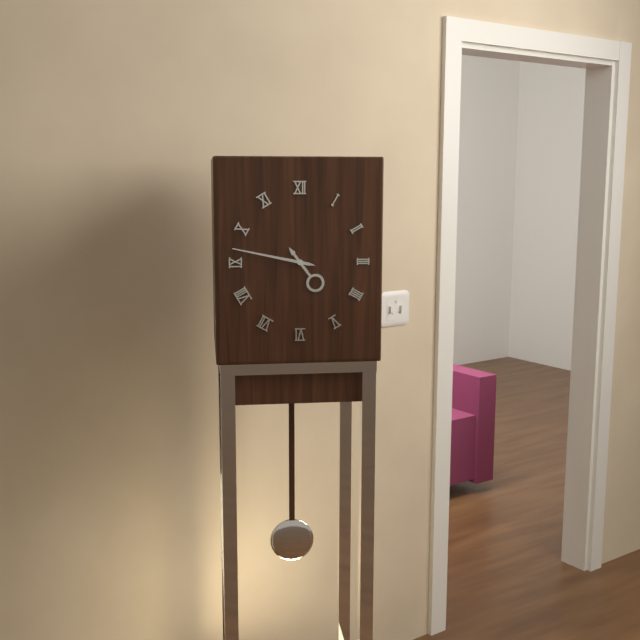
4:47
